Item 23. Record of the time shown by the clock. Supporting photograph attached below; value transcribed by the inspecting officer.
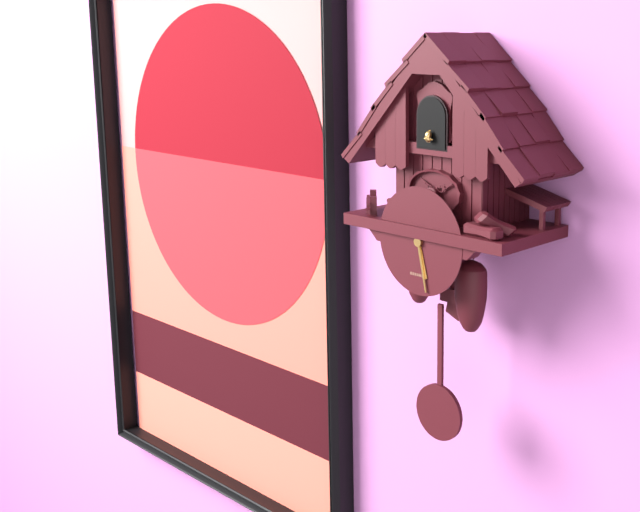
5:28
